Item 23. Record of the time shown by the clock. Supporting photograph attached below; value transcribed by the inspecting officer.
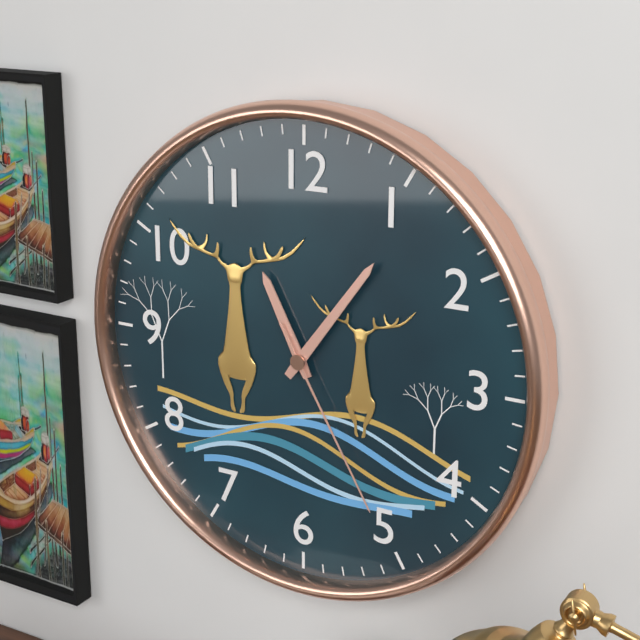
11:06:25
